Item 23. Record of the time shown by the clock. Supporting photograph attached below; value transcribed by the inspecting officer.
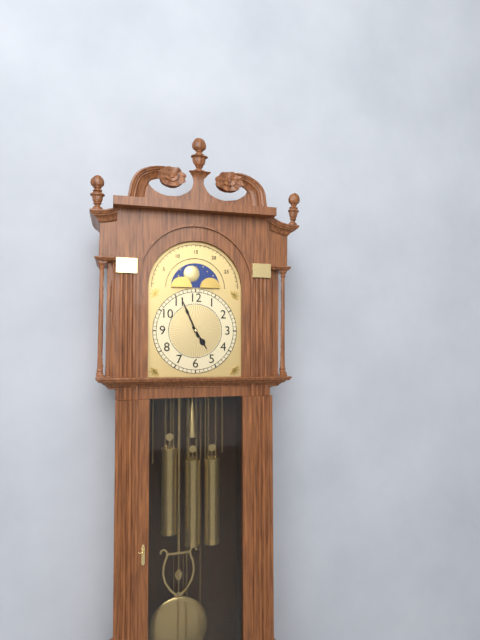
4:56
